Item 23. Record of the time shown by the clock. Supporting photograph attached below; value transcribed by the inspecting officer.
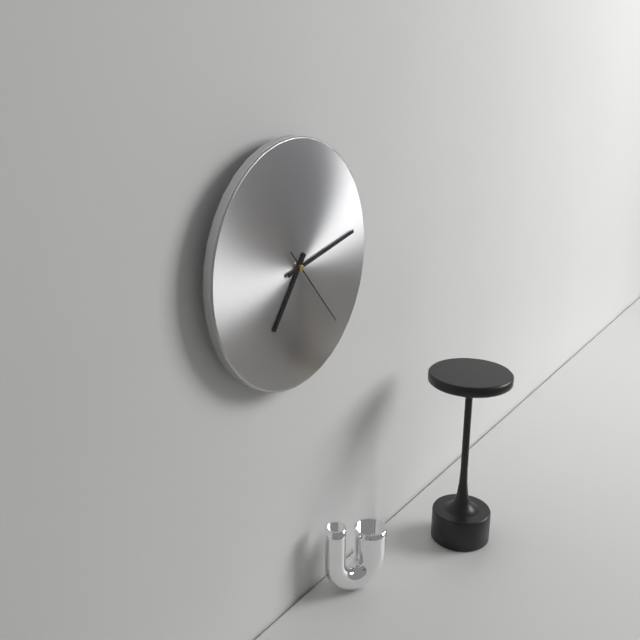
7:13:23
